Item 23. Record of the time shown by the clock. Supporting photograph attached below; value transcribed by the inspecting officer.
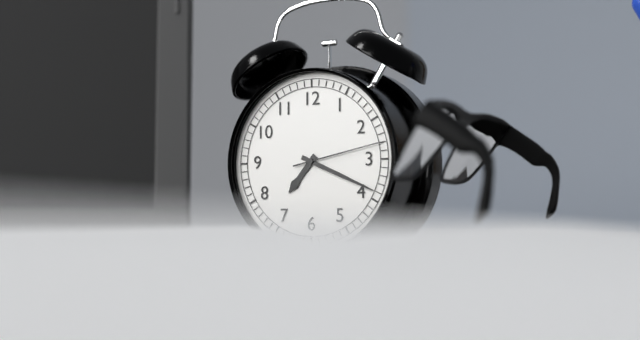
7:19:13
